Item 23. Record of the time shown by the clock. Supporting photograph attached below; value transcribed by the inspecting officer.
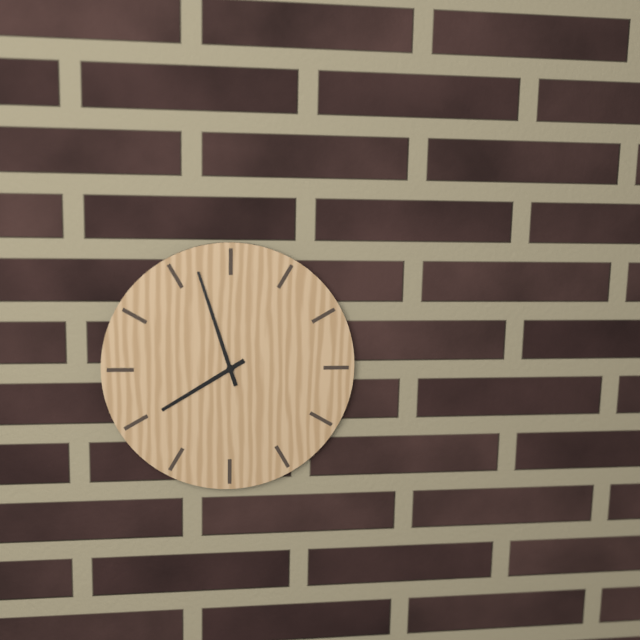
7:57
